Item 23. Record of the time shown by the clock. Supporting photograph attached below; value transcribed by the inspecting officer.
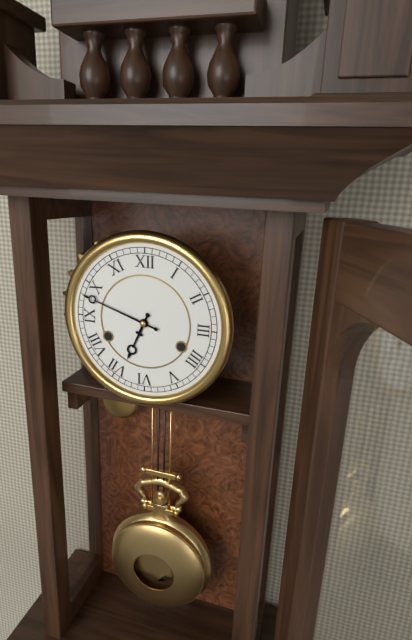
6:48
